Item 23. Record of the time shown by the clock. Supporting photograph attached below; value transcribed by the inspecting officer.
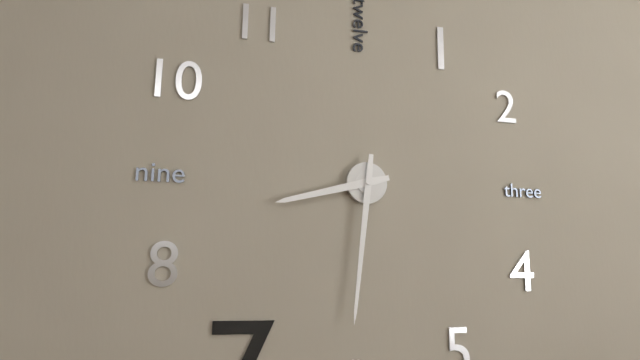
8:31
